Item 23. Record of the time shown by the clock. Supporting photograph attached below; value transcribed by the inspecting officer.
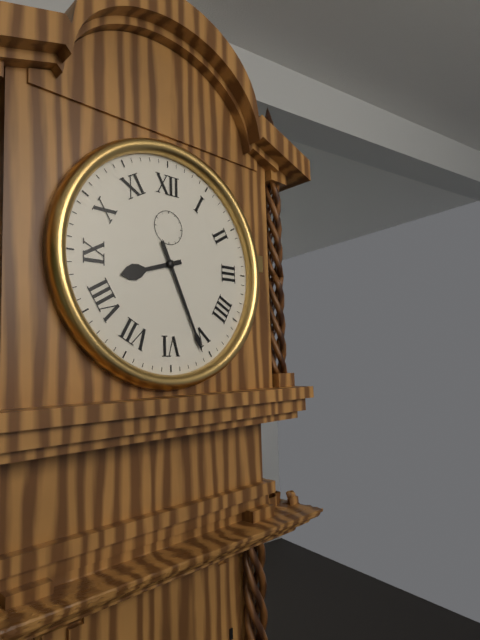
8:26
